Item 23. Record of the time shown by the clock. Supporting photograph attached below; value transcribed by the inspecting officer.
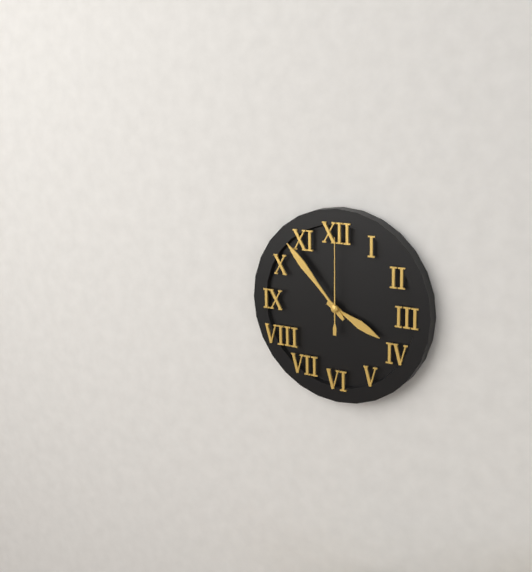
3:53:00
